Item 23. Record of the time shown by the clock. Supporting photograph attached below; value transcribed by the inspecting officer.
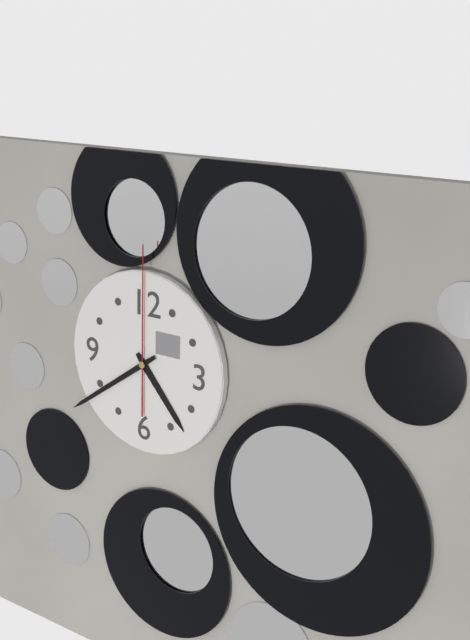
4:39:00
